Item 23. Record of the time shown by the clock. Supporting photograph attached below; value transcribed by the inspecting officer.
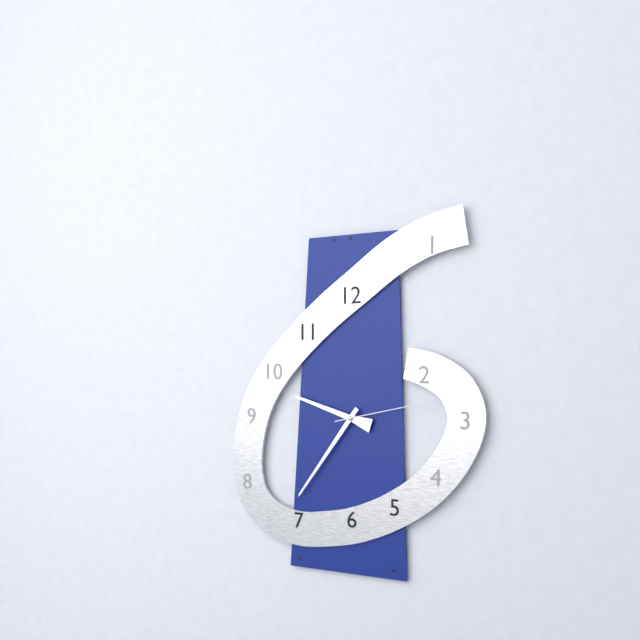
9:36:13
